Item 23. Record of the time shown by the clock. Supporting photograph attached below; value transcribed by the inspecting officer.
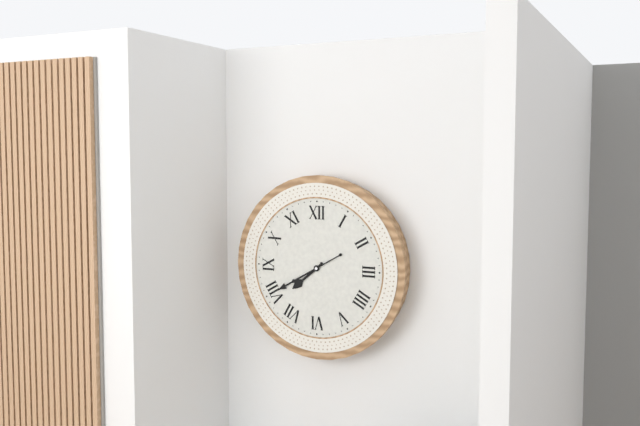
7:40
